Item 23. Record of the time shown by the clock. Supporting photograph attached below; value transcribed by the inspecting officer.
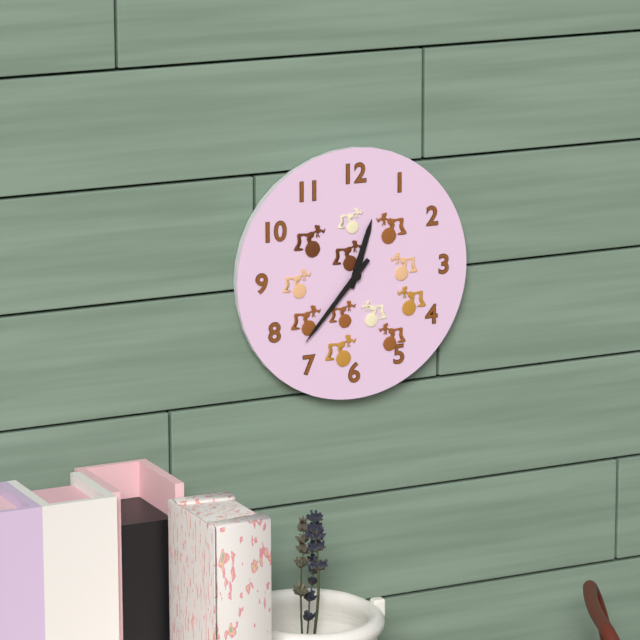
12:37
